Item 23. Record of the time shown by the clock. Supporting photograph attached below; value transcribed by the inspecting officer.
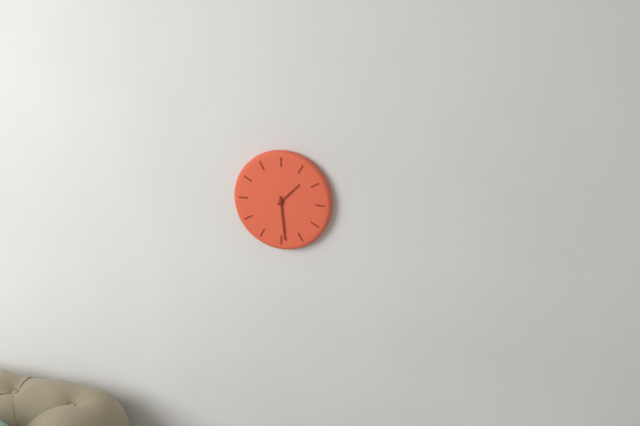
1:29
